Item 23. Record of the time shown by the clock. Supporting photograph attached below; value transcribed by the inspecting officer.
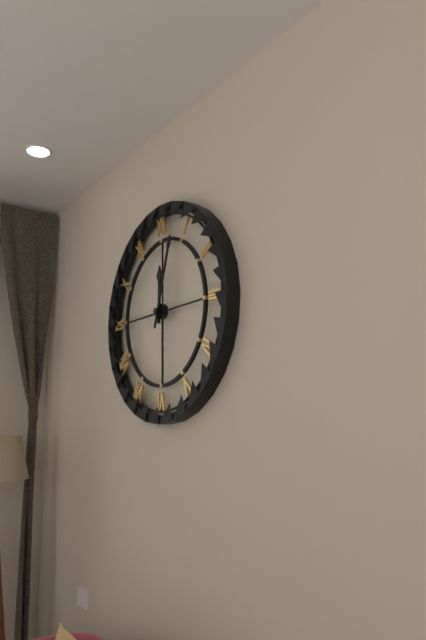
12:03
